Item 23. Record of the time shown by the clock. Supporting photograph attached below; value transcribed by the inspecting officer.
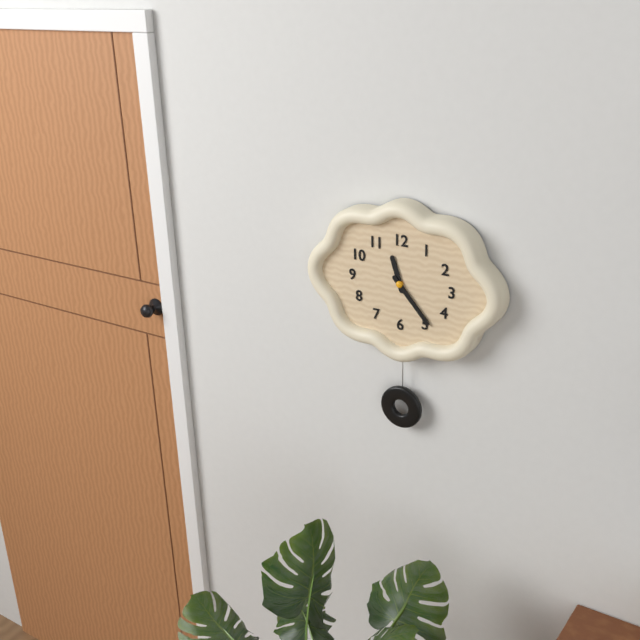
11:23
